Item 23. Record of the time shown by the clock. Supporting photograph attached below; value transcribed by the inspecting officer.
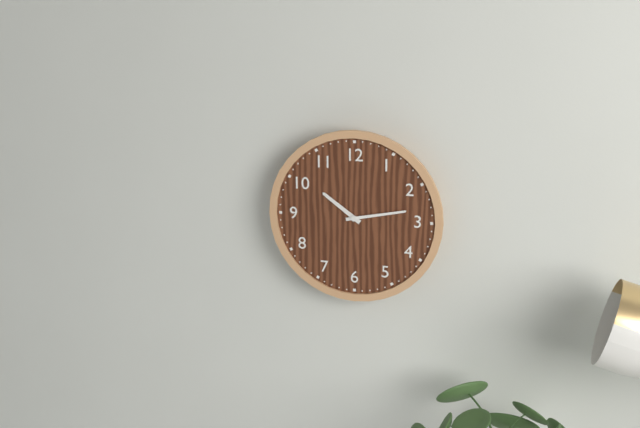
10:13
